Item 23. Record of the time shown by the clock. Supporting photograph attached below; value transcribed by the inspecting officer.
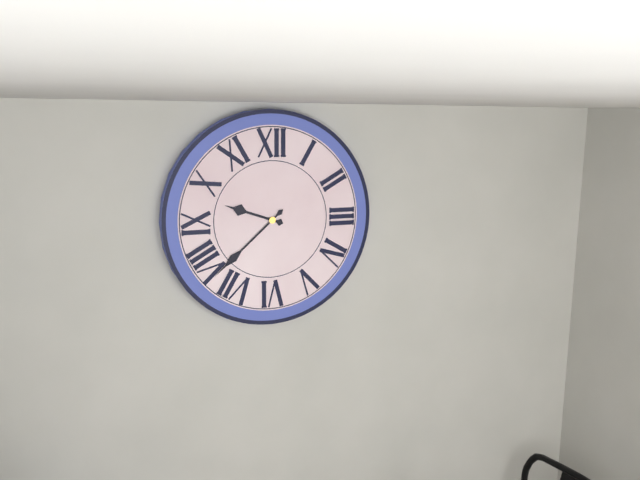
9:38
